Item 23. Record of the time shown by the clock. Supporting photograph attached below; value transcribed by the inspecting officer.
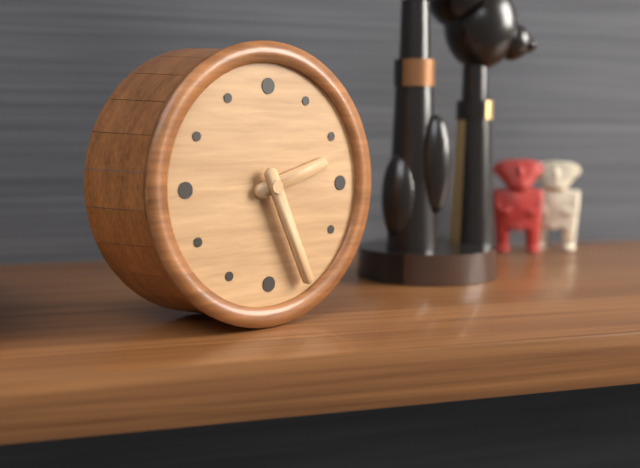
2:26
